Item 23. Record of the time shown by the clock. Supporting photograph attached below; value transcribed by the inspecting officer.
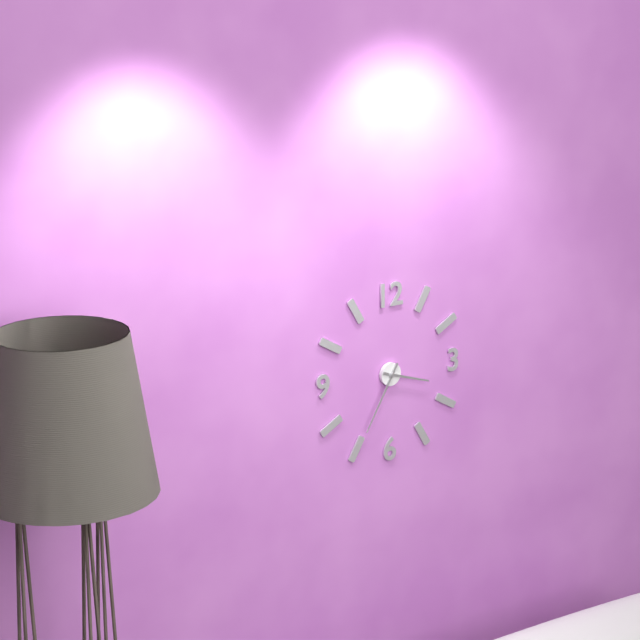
3:35
